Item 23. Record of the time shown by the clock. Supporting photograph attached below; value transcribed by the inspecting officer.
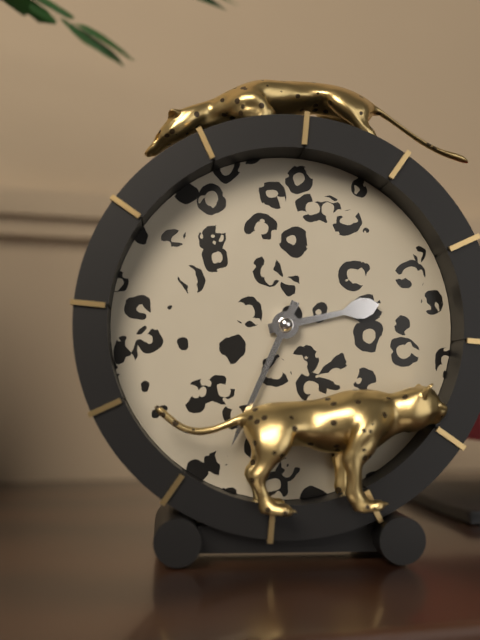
2:34
